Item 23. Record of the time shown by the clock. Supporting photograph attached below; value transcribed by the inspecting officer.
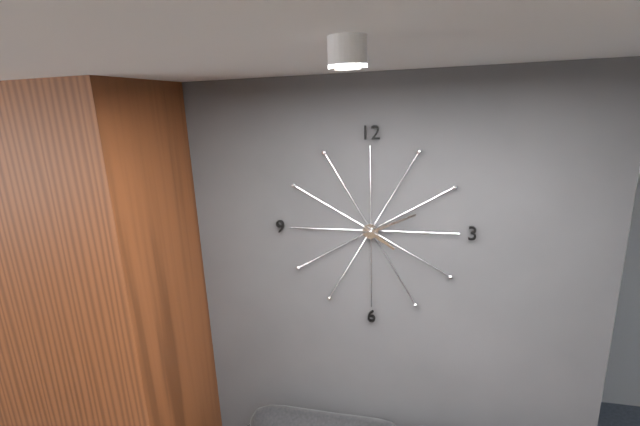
4:11
